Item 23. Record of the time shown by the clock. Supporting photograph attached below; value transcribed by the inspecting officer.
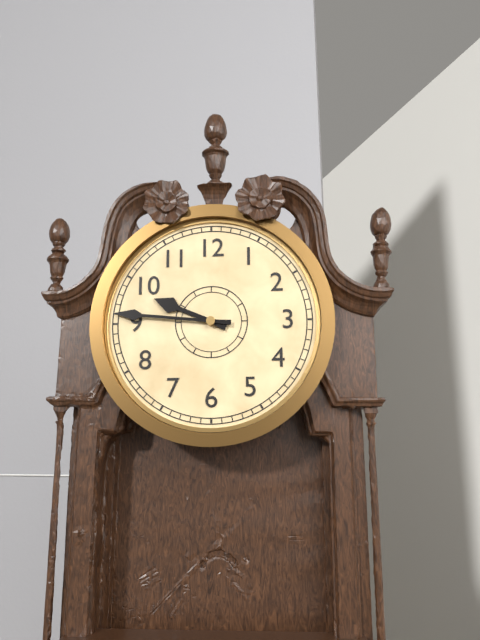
9:46
